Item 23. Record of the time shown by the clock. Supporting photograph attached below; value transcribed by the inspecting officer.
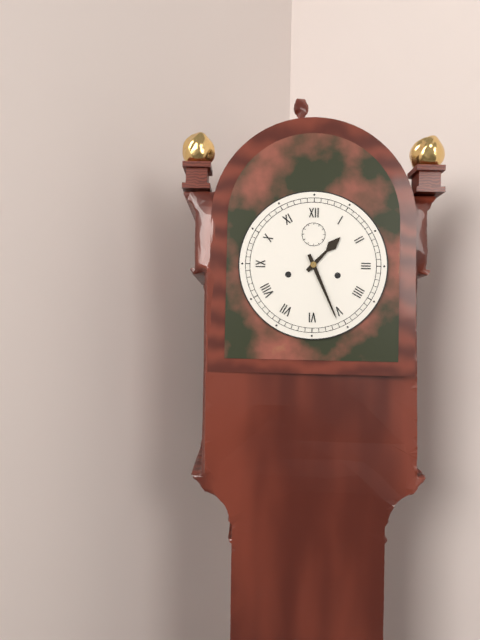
1:26
